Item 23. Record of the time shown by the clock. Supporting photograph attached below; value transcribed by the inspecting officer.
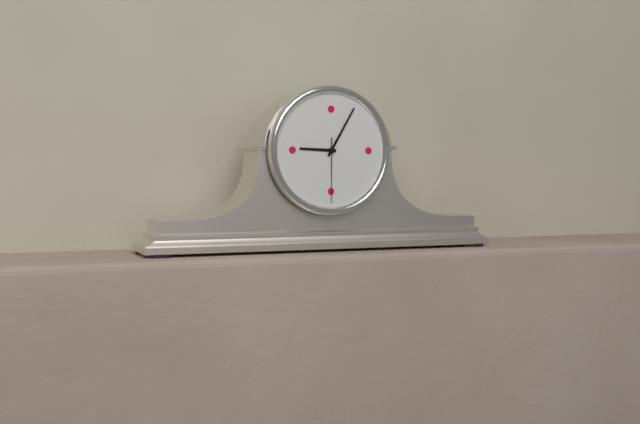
9:05:30
